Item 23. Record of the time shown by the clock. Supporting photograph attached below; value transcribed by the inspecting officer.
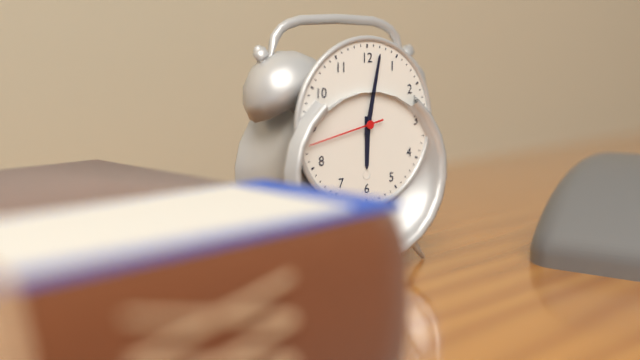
6:02:43
